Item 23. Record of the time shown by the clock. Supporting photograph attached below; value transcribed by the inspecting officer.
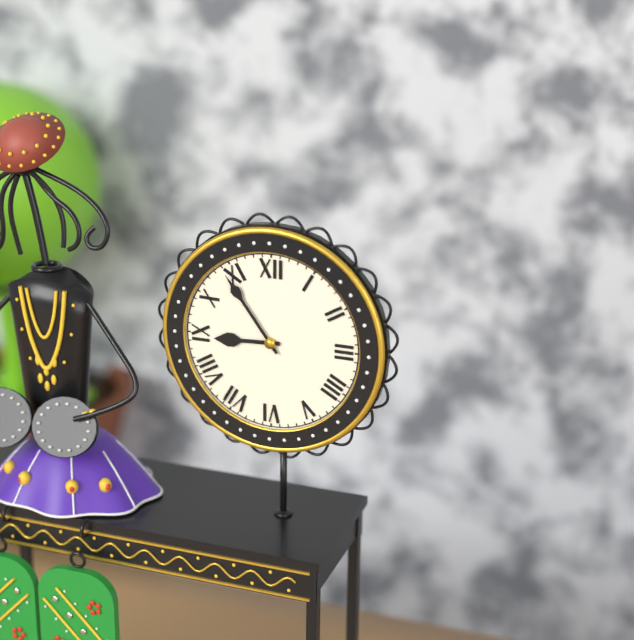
8:54
